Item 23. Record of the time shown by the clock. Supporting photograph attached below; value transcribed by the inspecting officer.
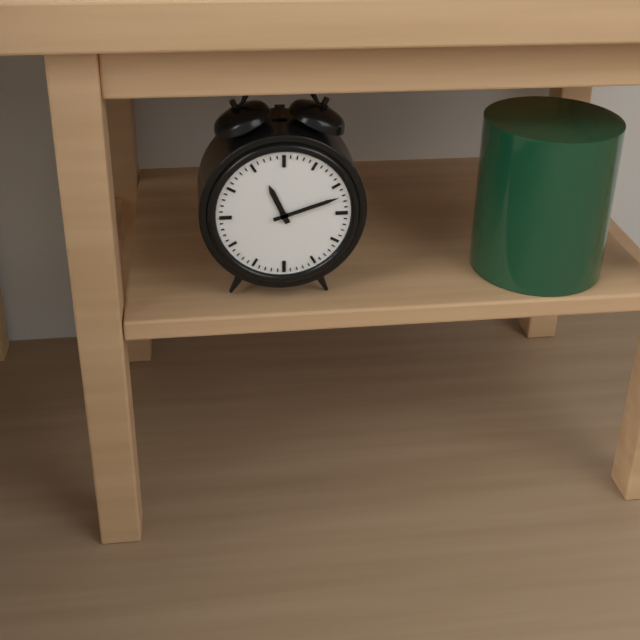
11:12
